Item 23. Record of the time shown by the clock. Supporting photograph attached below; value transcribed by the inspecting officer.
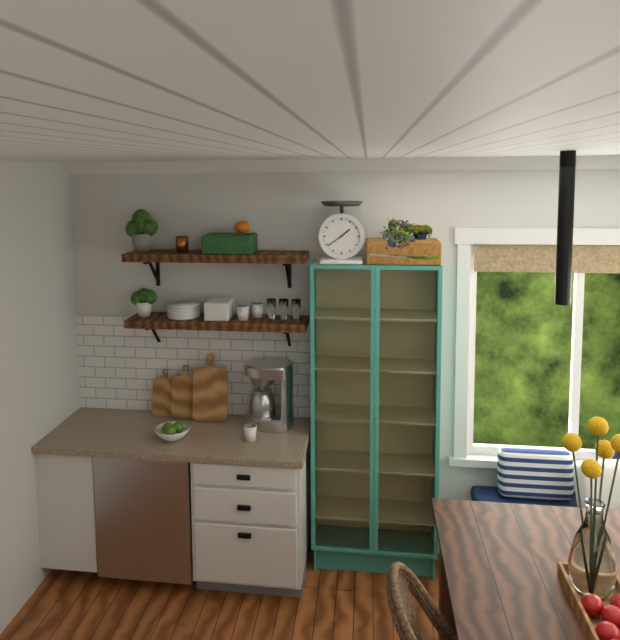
1:39
